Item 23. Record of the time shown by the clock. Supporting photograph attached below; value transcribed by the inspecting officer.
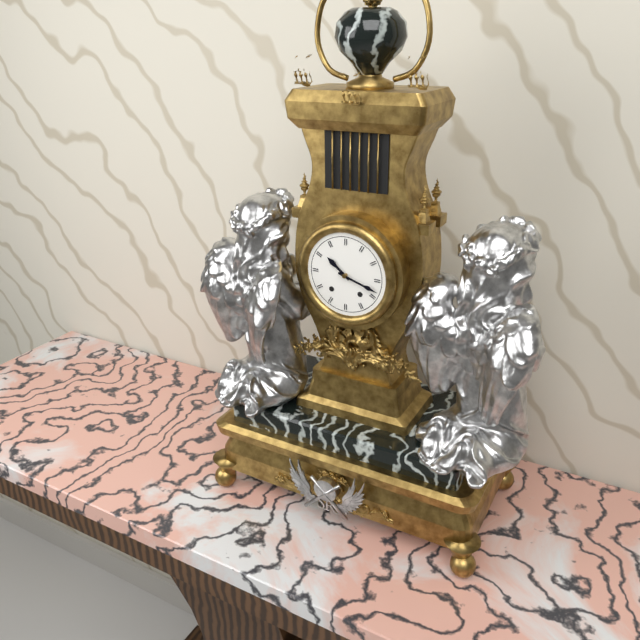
10:18
